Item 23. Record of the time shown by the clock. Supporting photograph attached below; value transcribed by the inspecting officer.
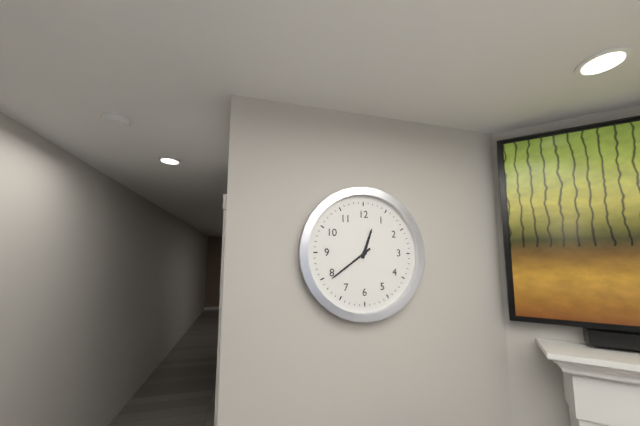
12:39
